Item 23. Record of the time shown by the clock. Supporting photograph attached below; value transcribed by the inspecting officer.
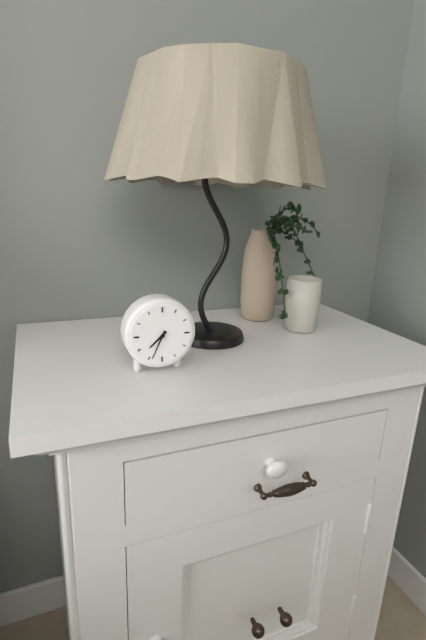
7:34
